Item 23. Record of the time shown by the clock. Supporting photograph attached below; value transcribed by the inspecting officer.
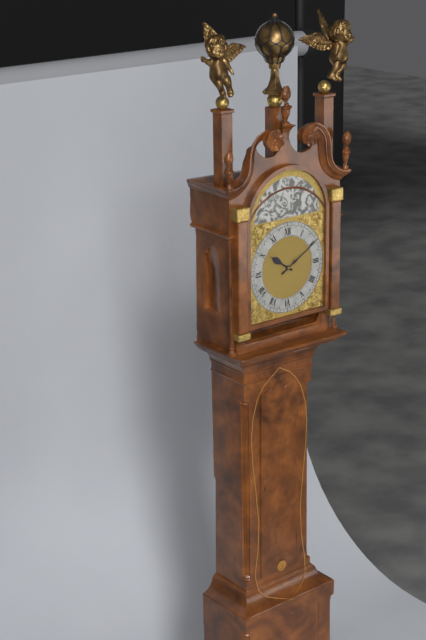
10:10
